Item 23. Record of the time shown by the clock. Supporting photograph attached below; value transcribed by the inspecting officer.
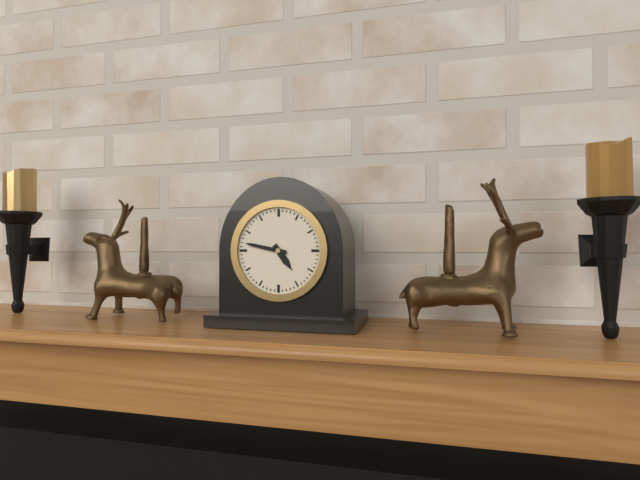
4:47
